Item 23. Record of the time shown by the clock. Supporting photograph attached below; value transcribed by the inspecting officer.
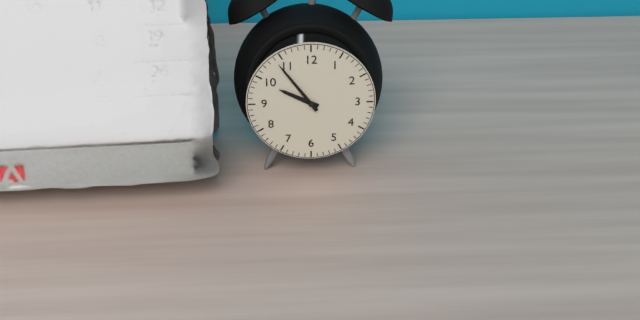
9:54
